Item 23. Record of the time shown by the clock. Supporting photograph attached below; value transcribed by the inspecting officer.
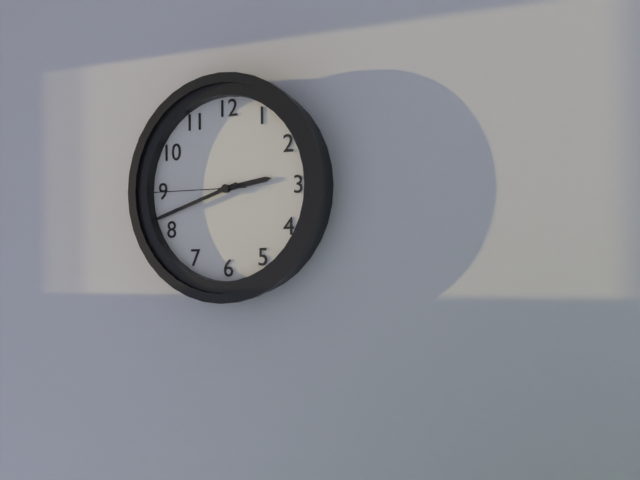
2:42:45
